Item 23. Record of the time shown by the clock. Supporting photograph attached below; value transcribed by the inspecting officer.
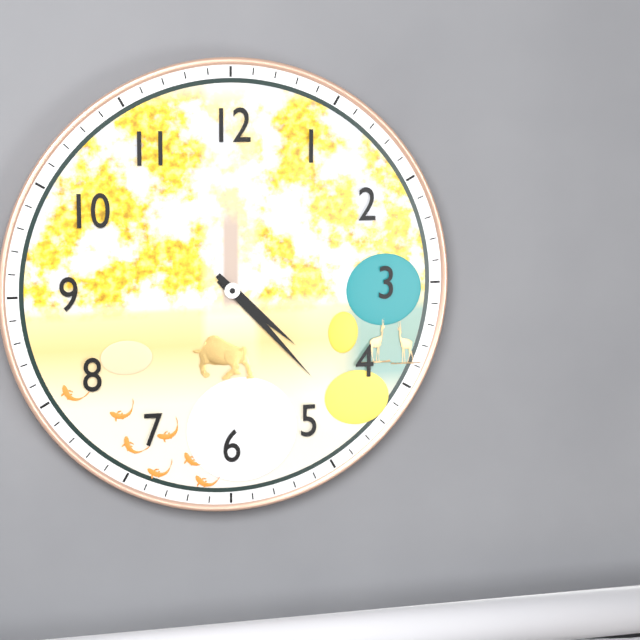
4:23
